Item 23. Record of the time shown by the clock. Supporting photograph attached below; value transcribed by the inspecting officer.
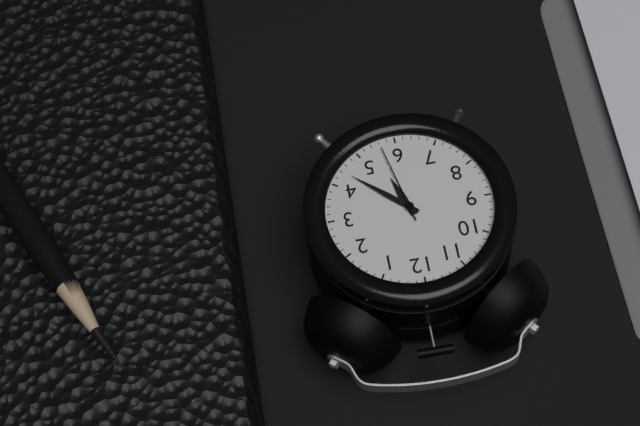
5:22:28
